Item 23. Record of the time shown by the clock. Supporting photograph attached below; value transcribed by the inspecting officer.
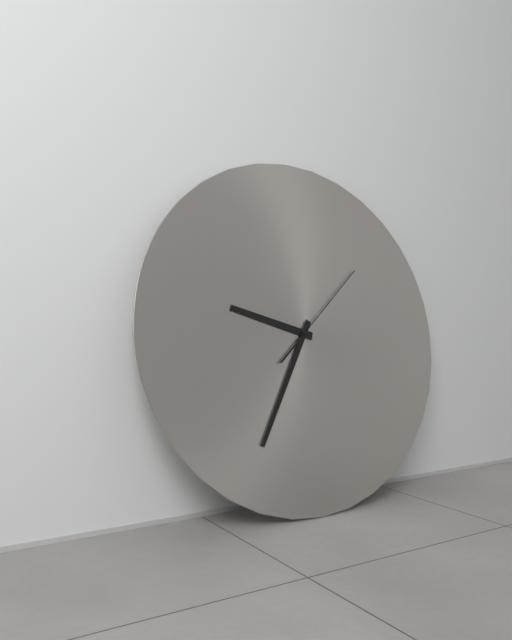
9:35:08
